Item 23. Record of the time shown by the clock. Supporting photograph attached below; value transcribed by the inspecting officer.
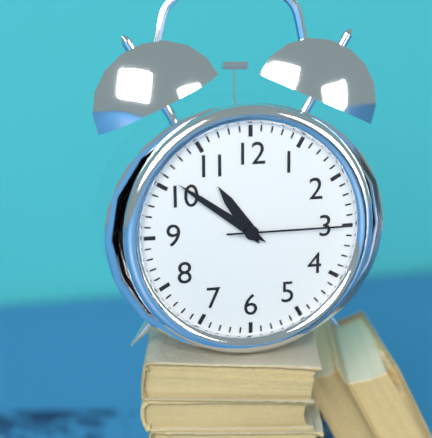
10:51:15
